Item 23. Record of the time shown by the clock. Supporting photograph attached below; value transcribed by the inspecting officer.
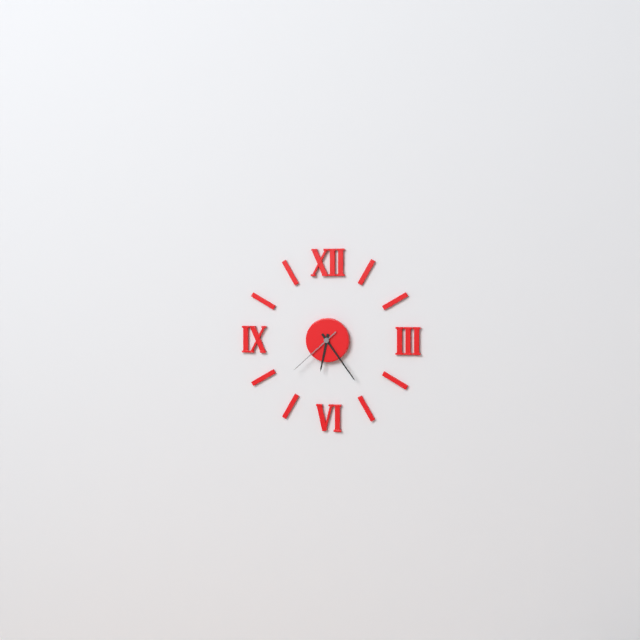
6:24:38
